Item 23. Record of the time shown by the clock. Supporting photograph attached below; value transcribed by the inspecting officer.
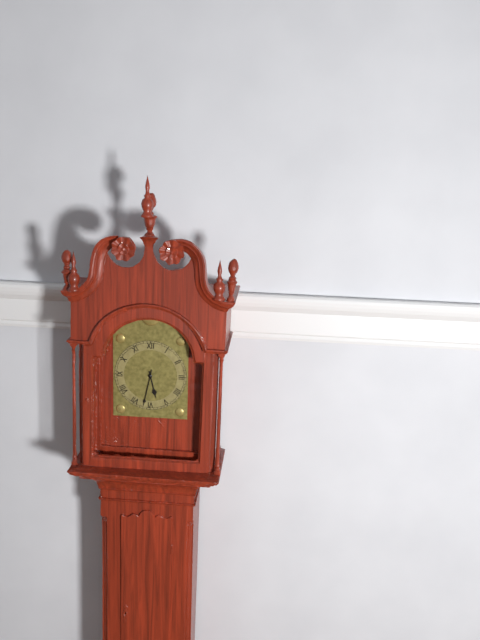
5:32
